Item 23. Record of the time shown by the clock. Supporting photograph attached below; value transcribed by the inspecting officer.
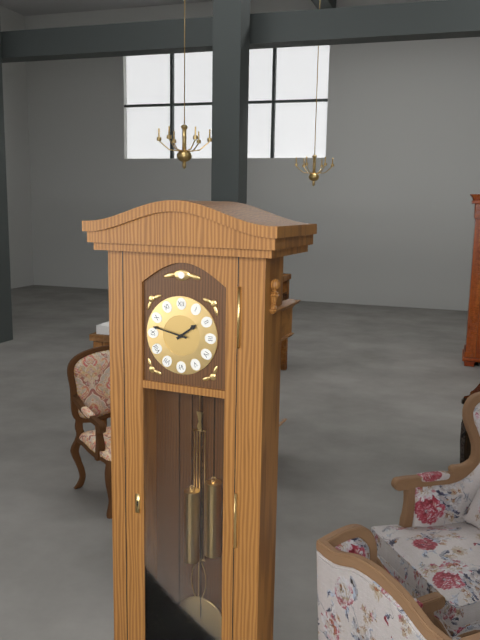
1:47
